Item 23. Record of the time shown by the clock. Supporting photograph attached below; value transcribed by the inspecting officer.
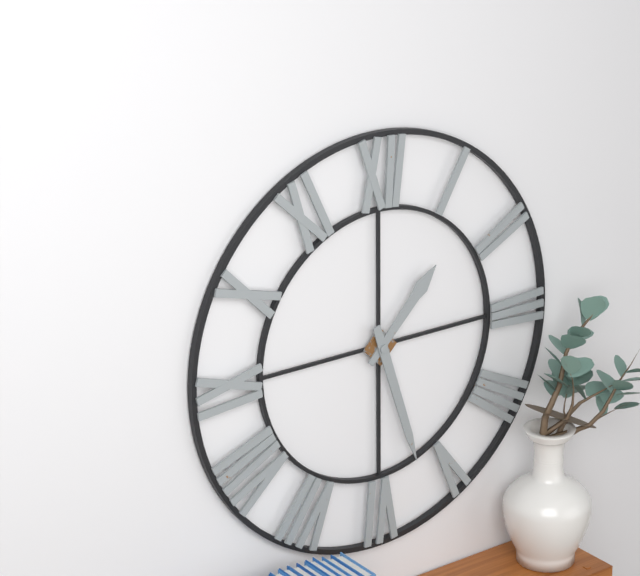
1:27
